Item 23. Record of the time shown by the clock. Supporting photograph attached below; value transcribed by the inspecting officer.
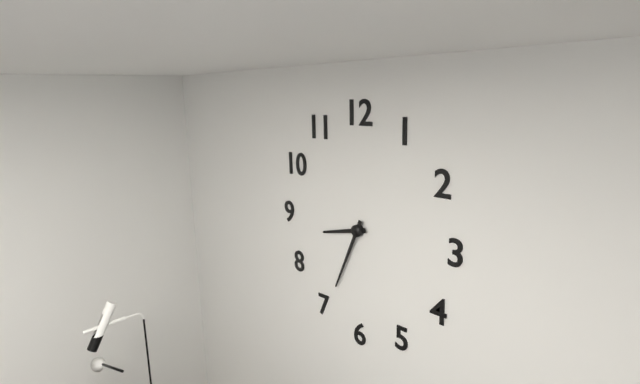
8:34
